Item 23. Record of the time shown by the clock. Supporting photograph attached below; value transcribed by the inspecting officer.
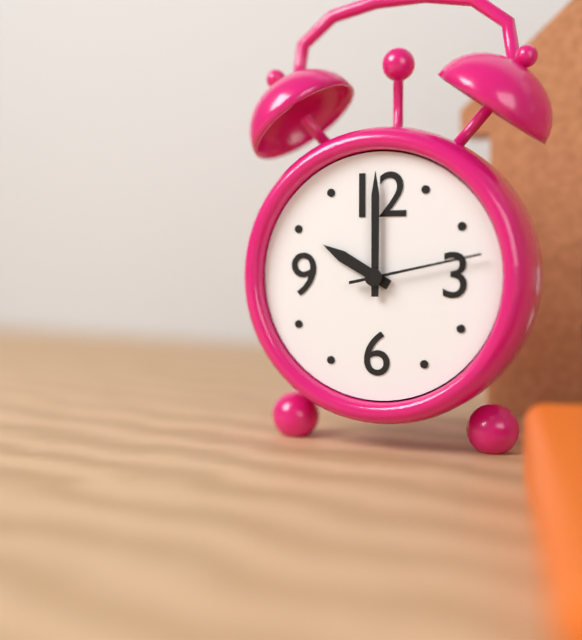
10:00:13
